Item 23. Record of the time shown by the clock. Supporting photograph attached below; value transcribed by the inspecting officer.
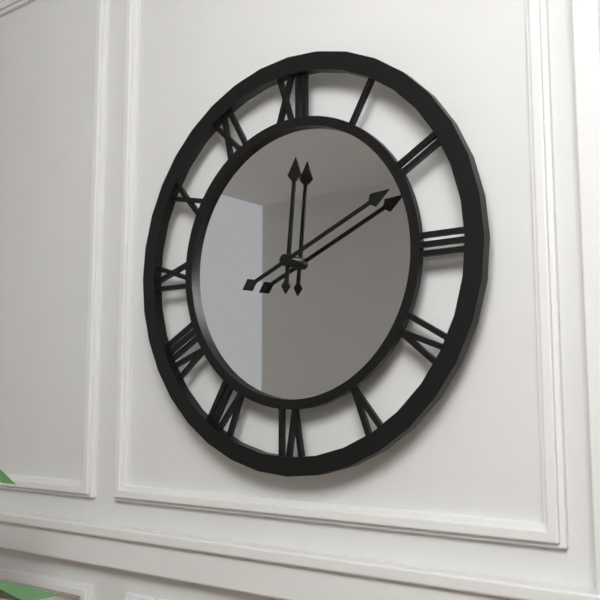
12:11
